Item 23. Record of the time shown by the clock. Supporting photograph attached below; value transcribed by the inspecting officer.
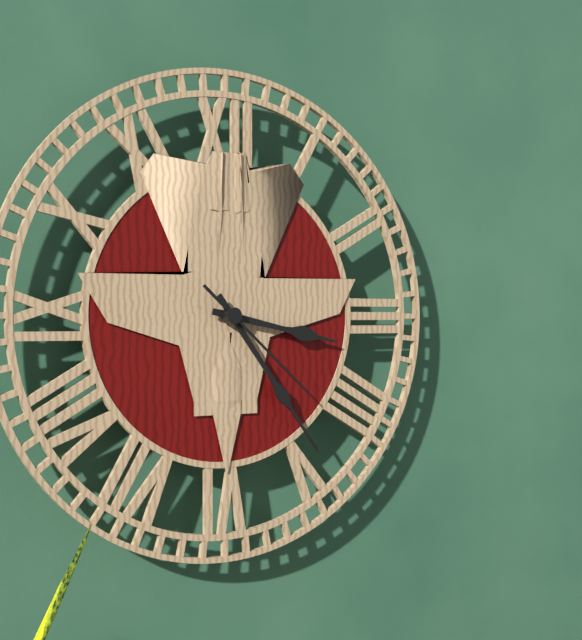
3:24:22
